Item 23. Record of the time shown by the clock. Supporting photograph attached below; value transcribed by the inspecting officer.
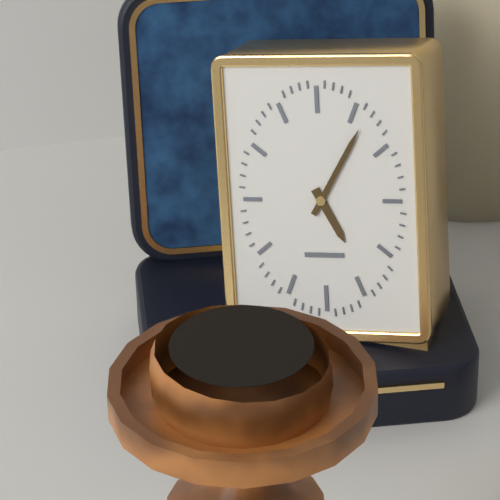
5:05
